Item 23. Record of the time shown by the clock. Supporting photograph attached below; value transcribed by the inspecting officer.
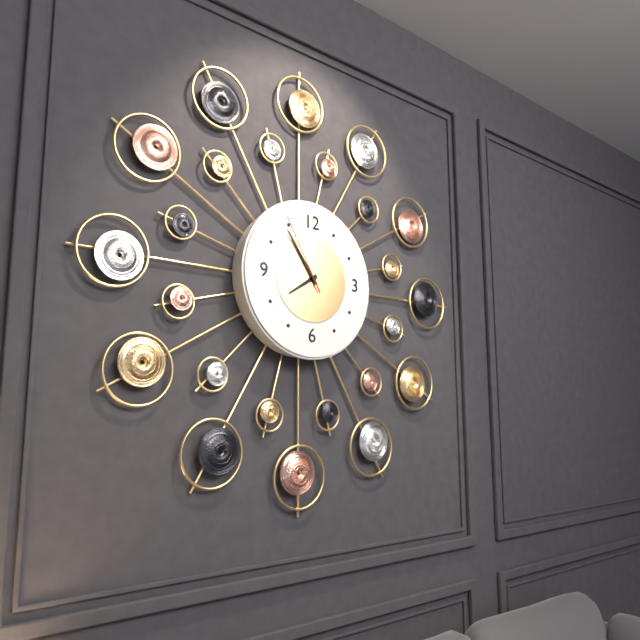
7:54:55
